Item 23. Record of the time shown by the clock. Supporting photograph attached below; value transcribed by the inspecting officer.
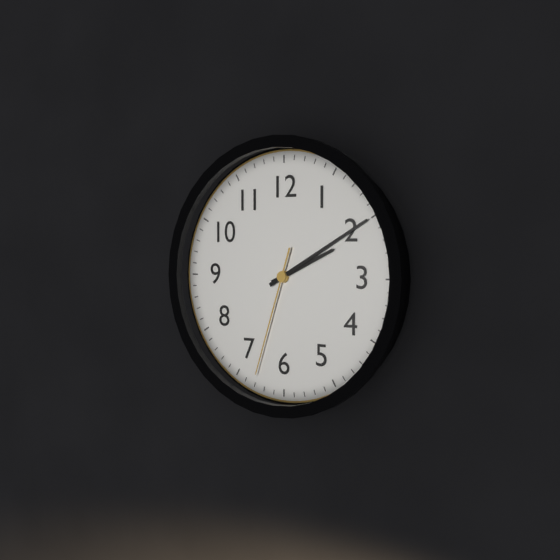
2:10:33
